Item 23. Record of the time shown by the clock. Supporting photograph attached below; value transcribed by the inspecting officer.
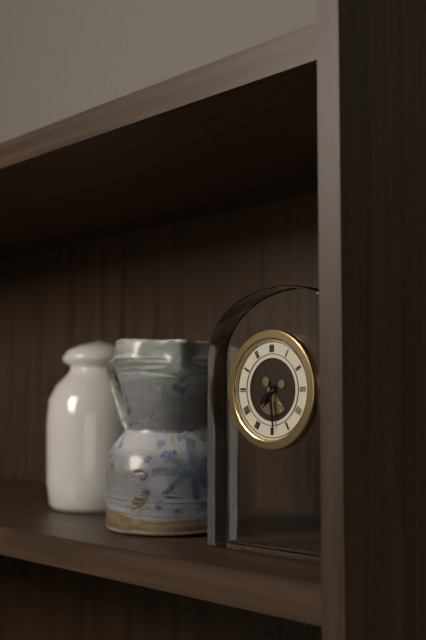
7:29
